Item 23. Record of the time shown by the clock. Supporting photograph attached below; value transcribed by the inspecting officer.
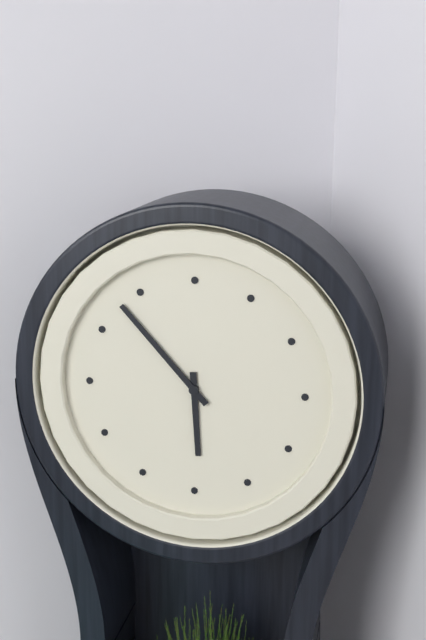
5:53
